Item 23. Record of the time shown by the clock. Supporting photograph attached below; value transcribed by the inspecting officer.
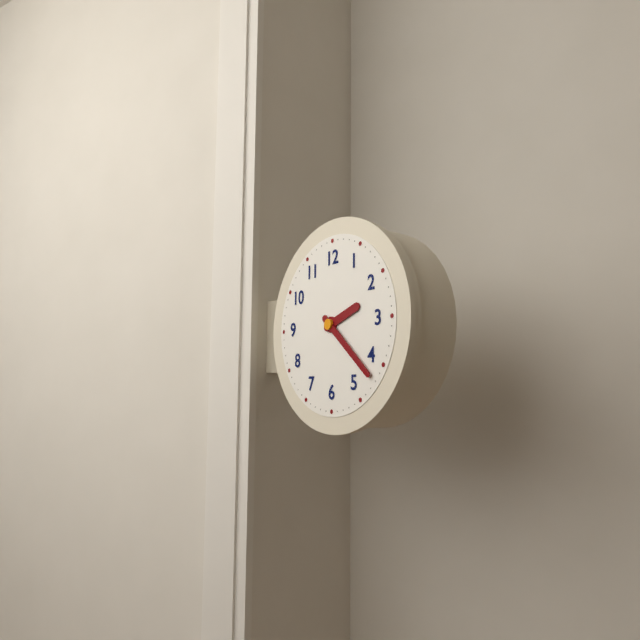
2:22
